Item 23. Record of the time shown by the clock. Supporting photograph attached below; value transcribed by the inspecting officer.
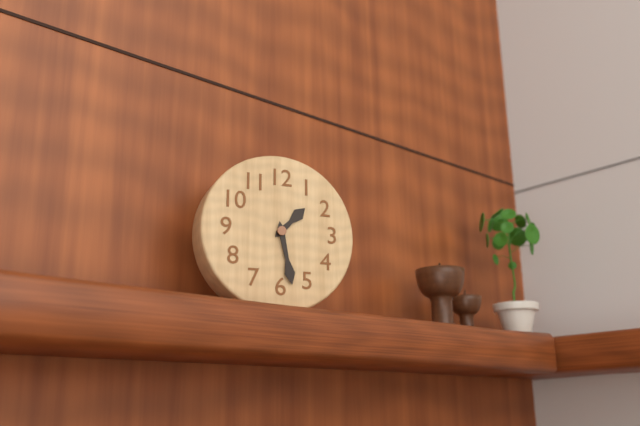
1:28
